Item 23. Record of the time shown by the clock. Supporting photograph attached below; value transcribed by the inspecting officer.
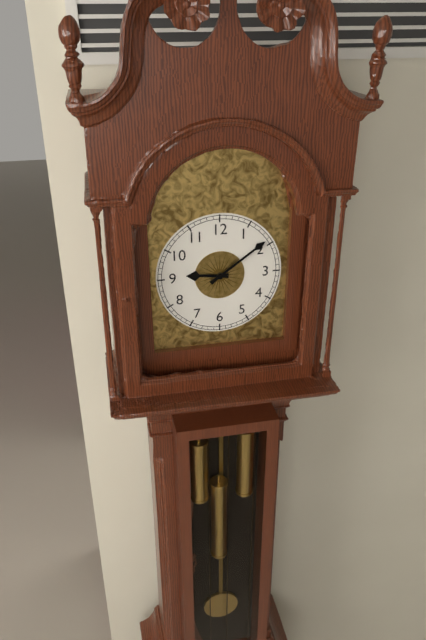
9:09
